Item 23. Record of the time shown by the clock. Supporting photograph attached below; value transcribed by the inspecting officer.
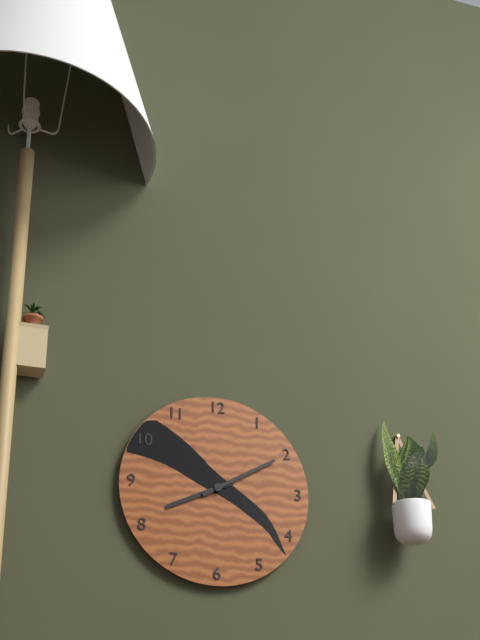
8:10
